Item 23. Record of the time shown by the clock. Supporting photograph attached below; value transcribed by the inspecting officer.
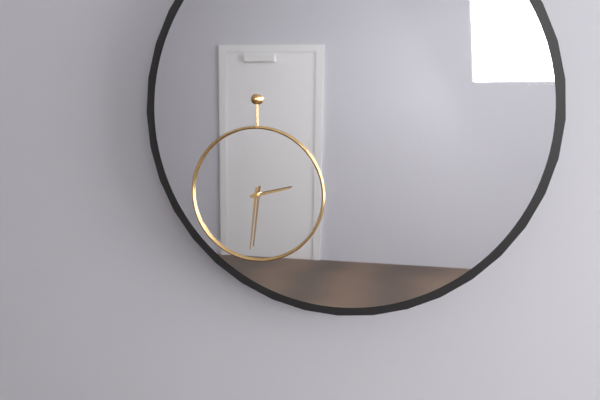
2:31
